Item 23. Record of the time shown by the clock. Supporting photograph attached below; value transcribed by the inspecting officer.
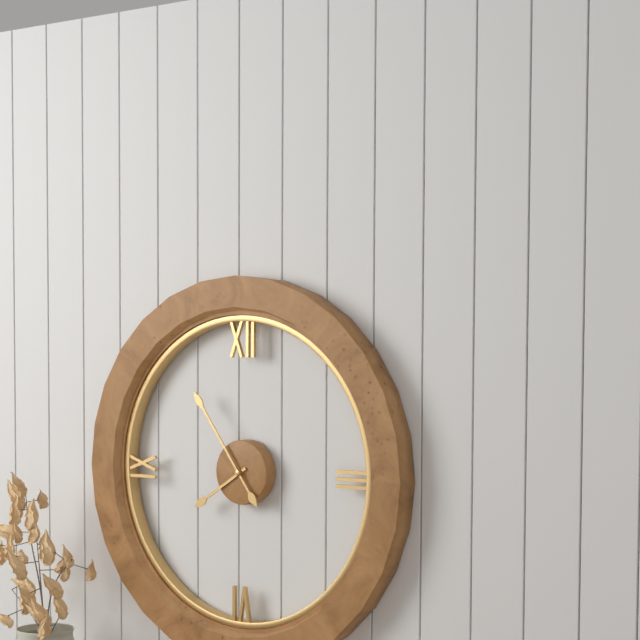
7:54
